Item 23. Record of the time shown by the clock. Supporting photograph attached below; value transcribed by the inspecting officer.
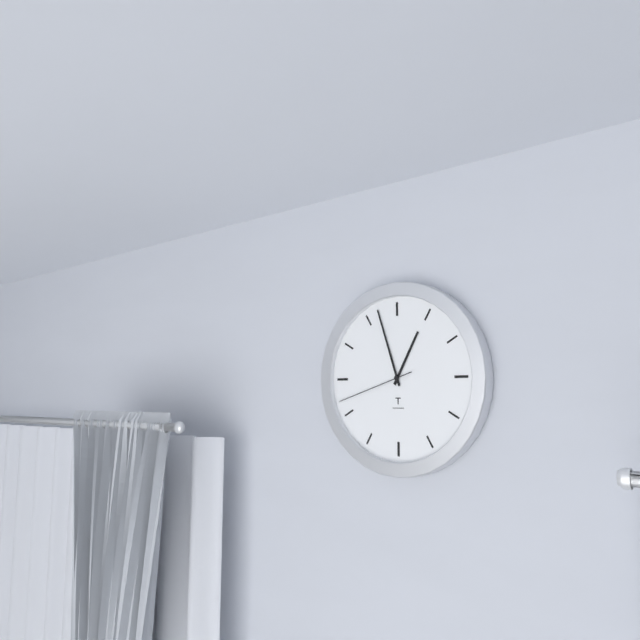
12:57:42
